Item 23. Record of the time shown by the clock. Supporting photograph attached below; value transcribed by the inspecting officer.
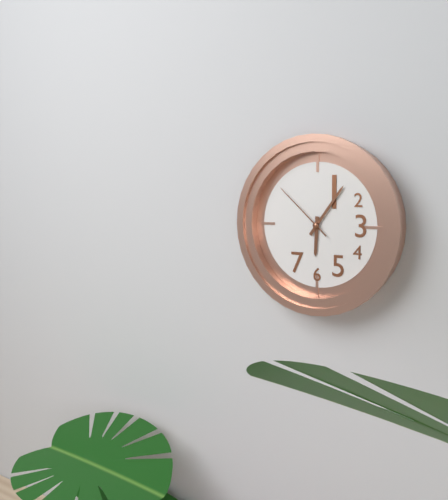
6:06:52
